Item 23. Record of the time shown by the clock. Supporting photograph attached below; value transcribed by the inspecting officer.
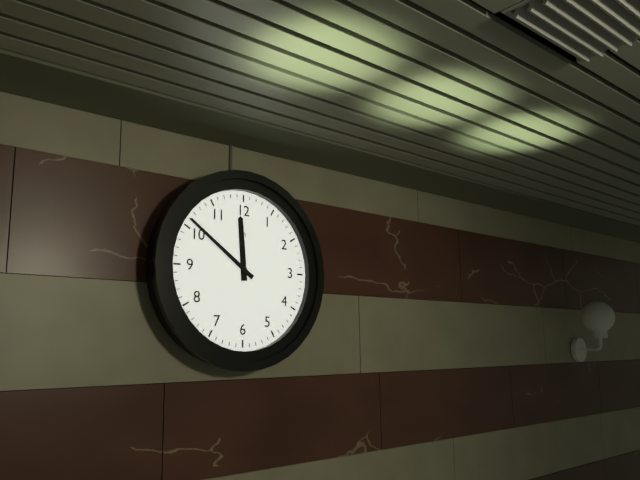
11:51
